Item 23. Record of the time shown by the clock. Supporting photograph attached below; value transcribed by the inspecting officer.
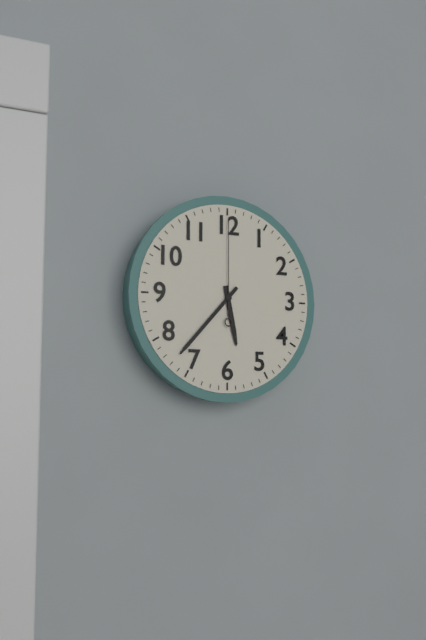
5:37:00
